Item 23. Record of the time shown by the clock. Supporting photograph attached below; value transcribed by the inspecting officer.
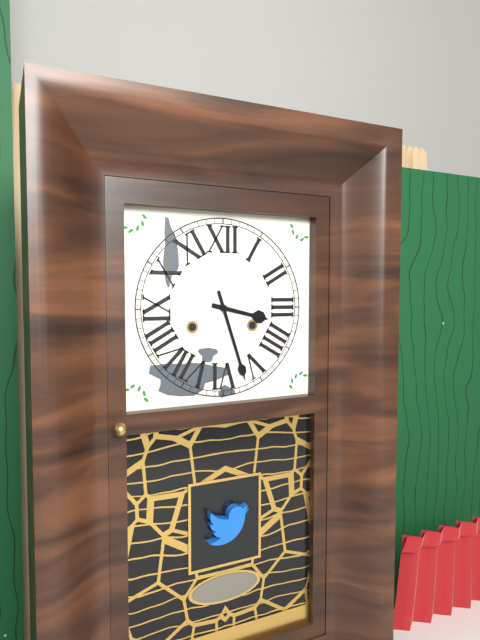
3:27
